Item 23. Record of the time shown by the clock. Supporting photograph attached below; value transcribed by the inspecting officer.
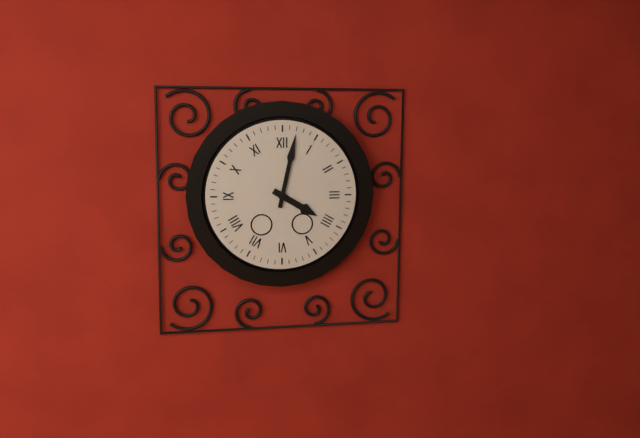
4:02
